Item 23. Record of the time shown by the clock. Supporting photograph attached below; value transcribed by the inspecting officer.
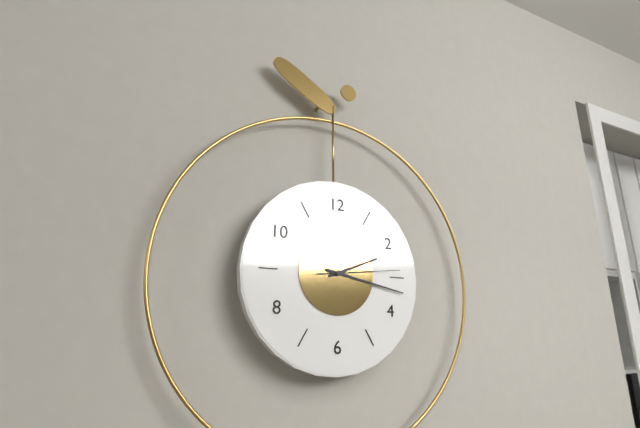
2:17:14
